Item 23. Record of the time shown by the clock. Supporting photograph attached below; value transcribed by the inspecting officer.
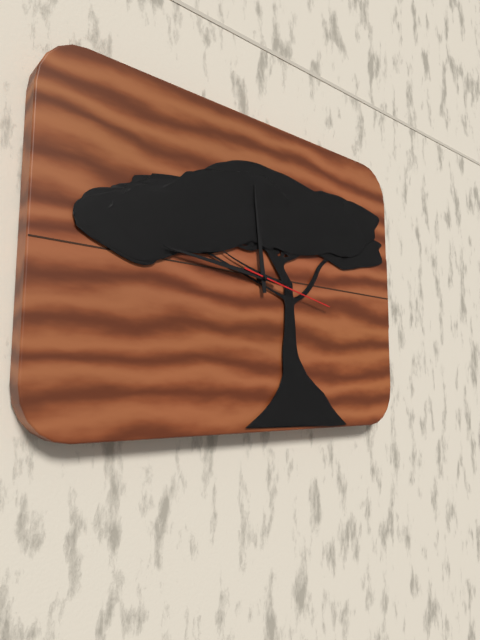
11:46:17
